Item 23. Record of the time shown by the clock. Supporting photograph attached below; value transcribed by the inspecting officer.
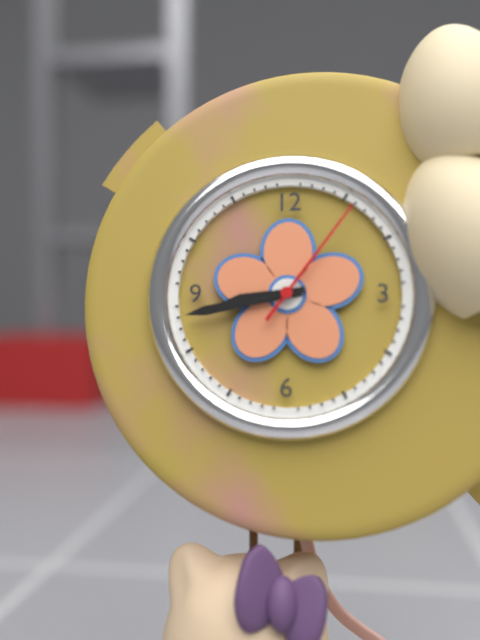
8:43:06
